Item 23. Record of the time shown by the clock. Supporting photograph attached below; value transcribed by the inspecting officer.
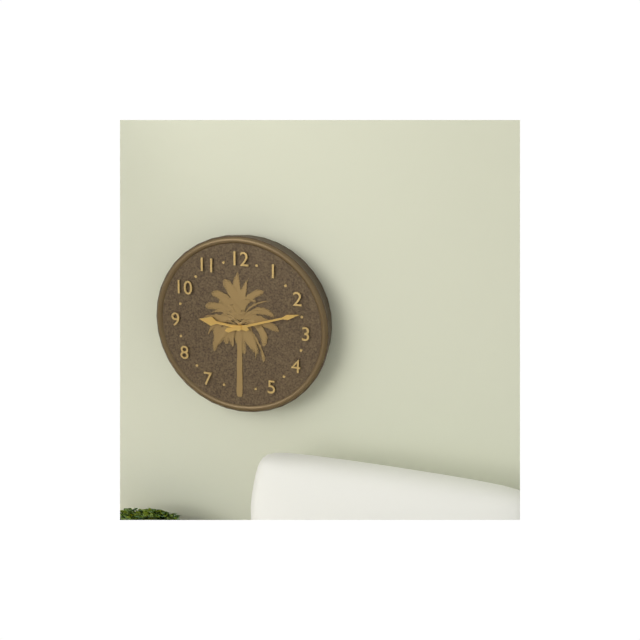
9:12
